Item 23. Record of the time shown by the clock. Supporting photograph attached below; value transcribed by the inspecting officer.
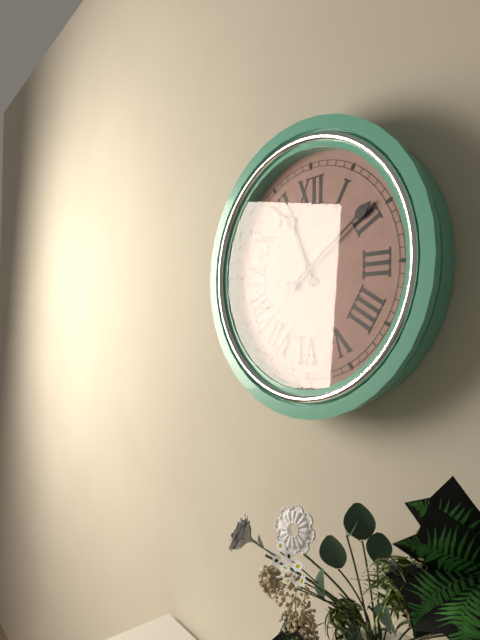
11:09
